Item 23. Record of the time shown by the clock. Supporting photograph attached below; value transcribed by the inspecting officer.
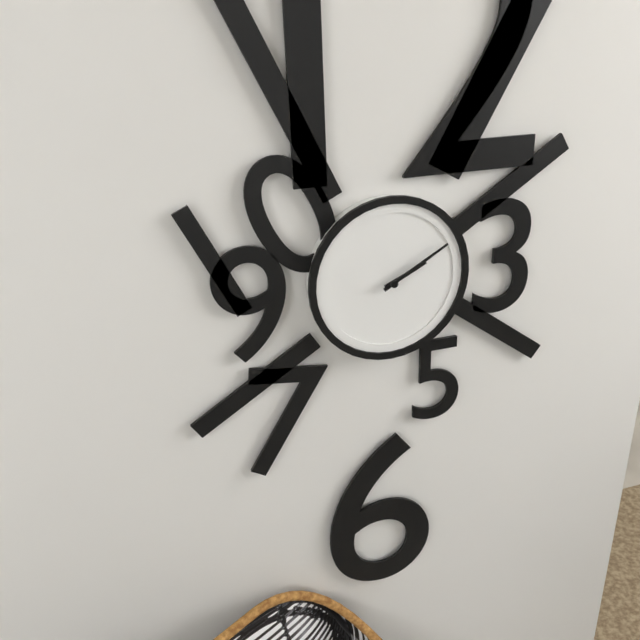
2:10
